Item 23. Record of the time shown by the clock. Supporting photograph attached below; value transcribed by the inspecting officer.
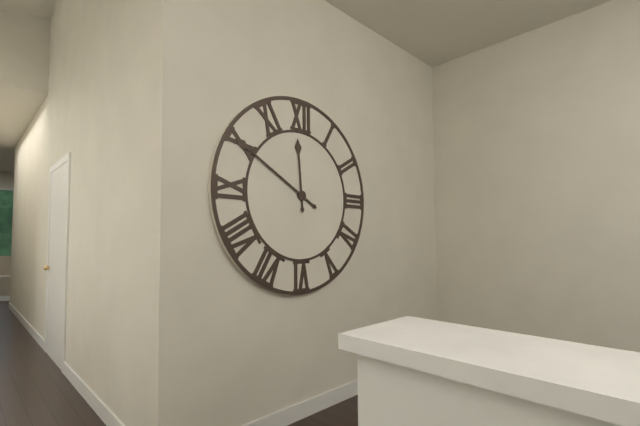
11:50
